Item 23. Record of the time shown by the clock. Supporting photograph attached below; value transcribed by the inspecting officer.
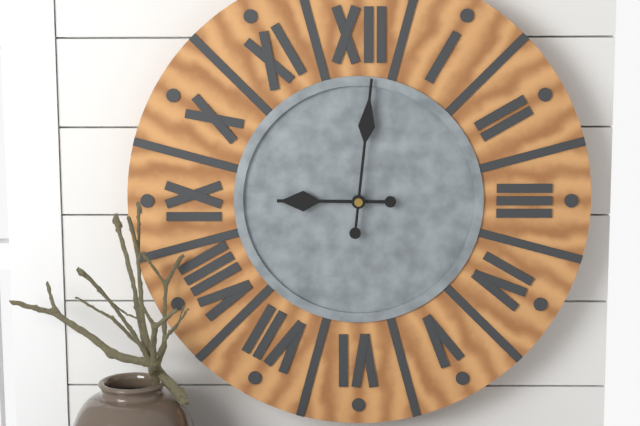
9:01
